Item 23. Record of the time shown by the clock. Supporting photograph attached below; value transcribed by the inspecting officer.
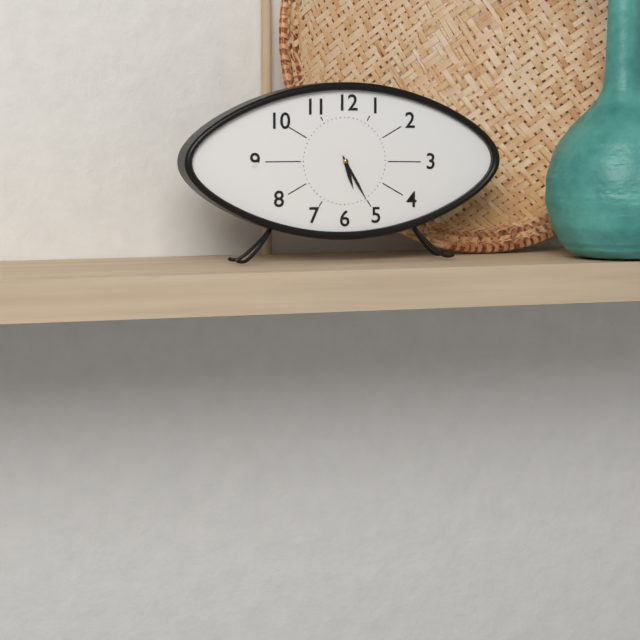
5:25
